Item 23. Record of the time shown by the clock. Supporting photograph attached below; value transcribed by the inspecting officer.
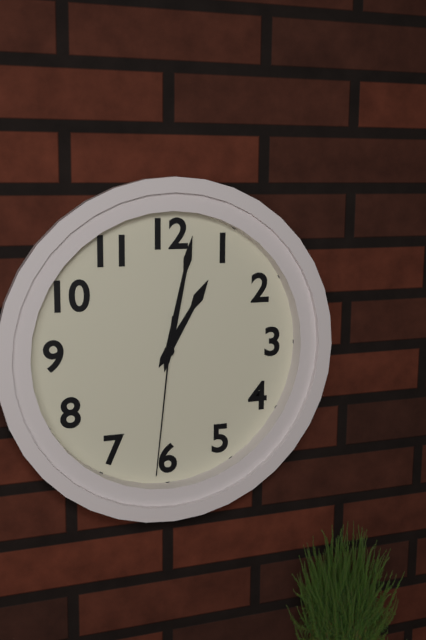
1:02:31
